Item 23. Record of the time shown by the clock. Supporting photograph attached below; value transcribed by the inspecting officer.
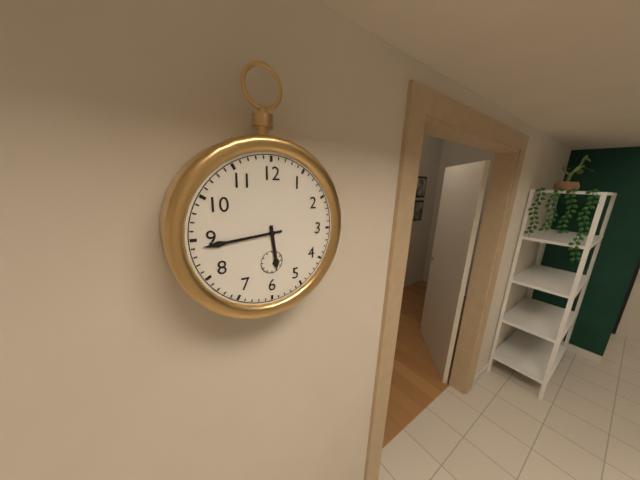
5:44
